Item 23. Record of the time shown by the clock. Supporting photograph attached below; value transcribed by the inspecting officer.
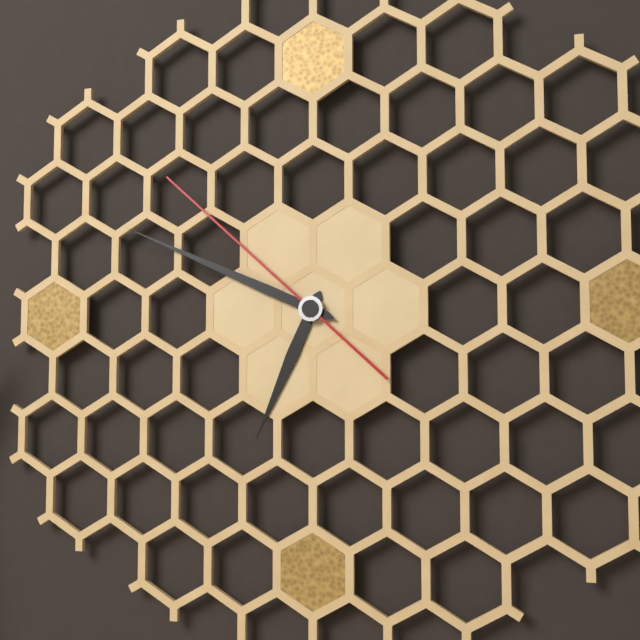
6:49:52
